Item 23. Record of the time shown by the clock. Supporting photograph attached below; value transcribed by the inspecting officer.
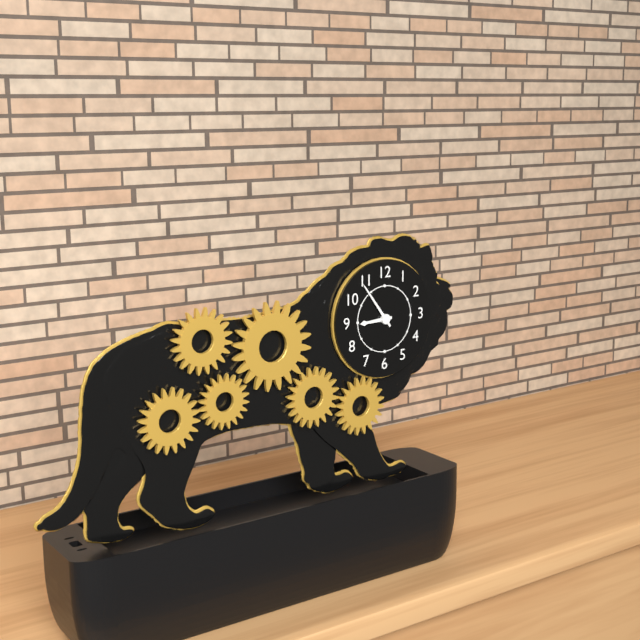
8:54
